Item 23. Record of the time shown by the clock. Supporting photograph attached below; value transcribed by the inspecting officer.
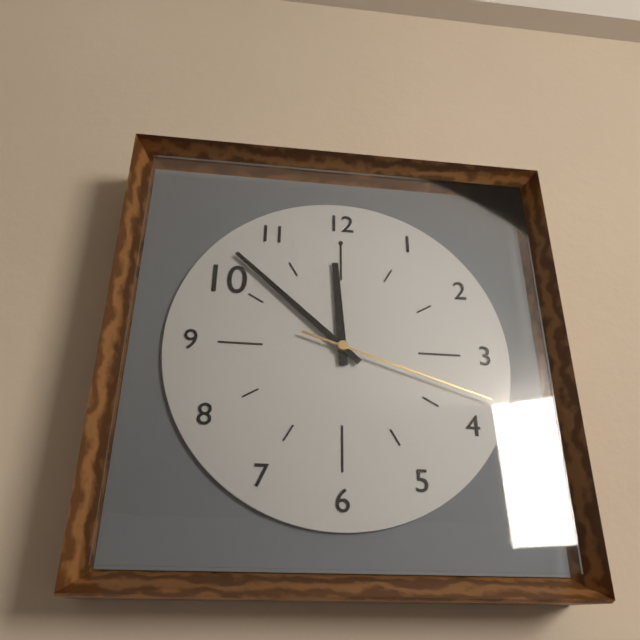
11:52:18
